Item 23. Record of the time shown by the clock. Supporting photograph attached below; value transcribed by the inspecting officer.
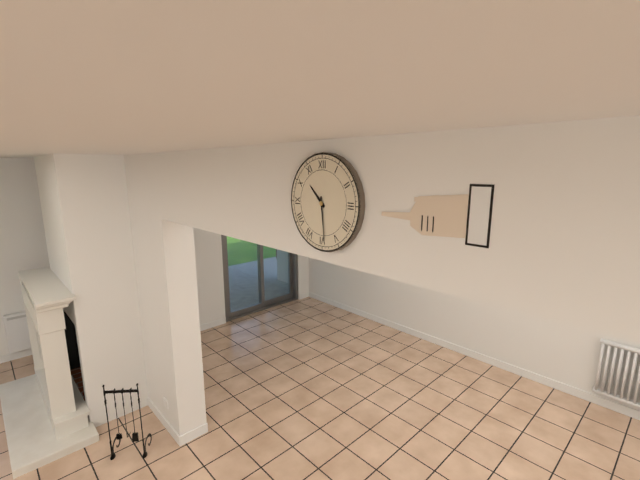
10:29
